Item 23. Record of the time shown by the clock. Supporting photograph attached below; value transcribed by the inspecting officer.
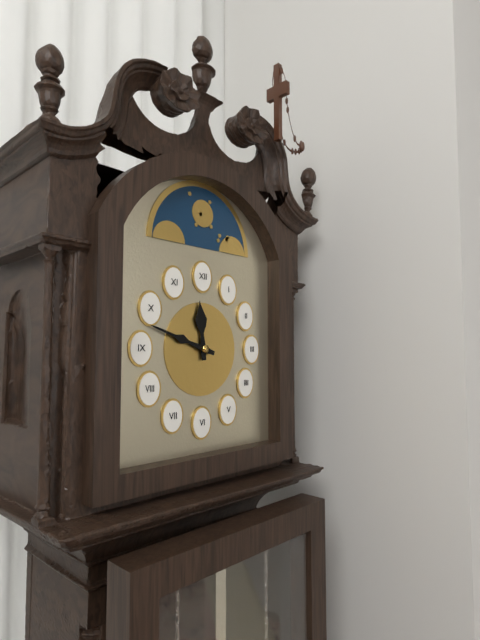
11:48
